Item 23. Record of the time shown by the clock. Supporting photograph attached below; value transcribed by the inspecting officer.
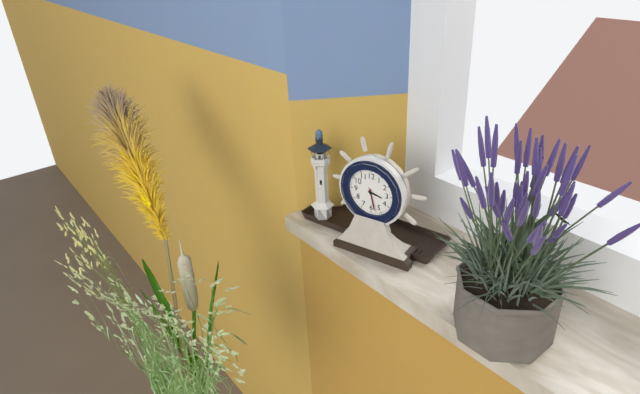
3:28
